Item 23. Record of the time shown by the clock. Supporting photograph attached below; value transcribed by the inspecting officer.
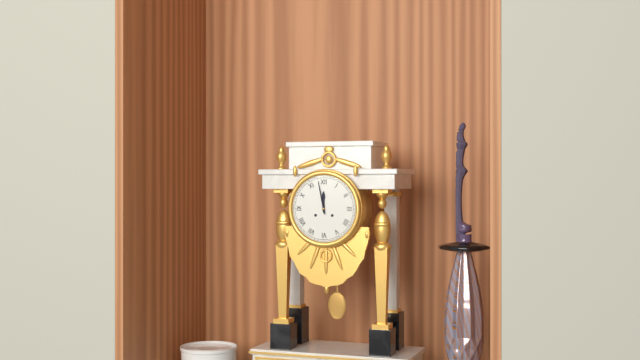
11:58
